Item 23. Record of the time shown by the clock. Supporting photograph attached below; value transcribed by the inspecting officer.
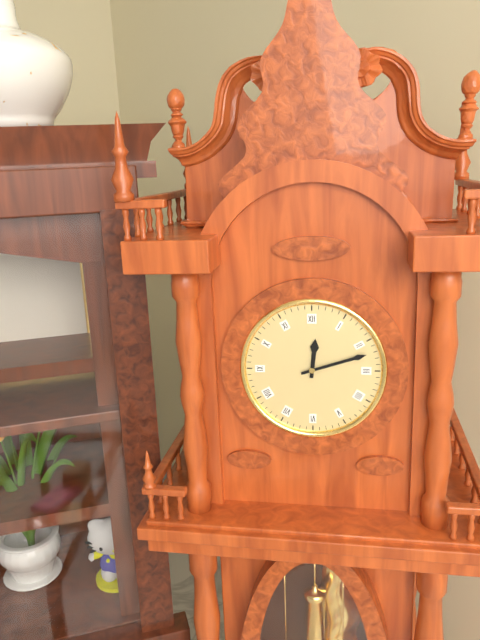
12:12
